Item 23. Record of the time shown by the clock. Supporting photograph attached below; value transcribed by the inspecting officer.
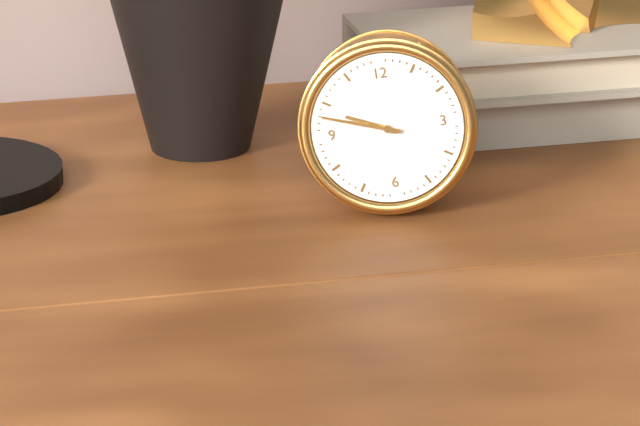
9:48
